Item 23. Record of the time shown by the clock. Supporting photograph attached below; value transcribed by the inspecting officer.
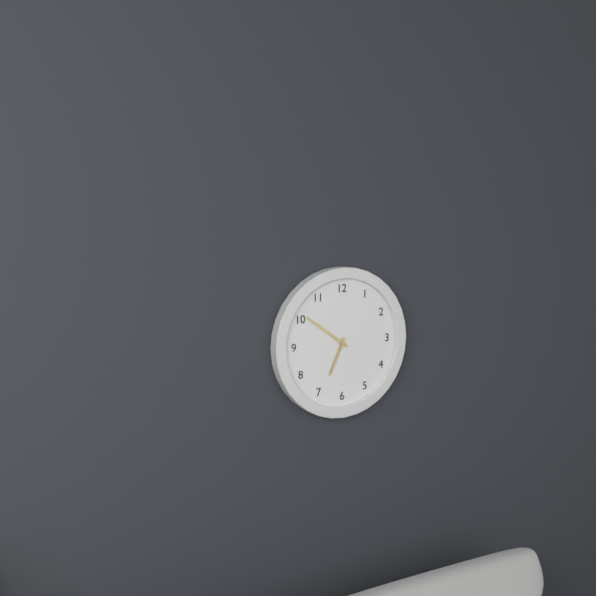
6:51
